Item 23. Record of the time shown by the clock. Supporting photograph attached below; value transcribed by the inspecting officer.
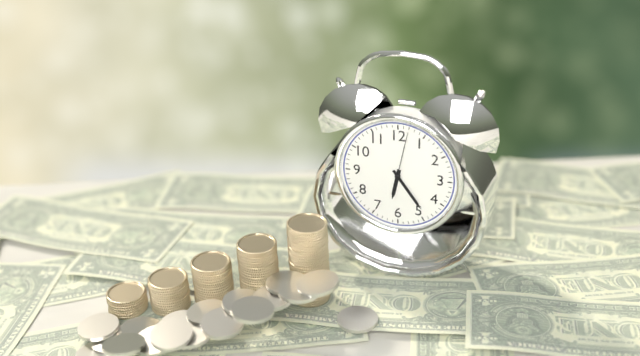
6:24:02
